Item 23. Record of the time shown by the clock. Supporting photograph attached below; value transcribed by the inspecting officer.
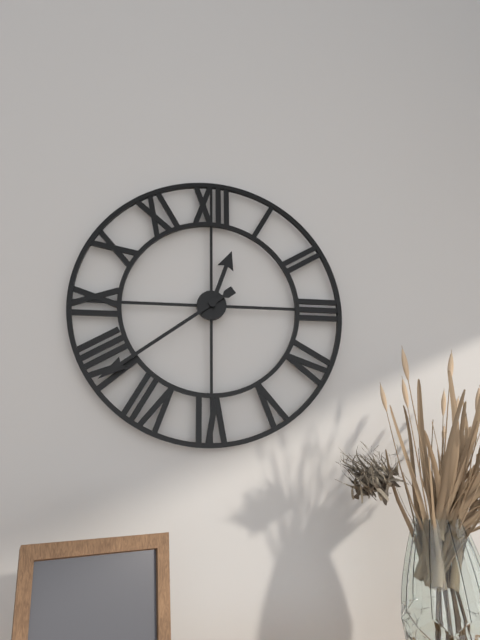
12:39
